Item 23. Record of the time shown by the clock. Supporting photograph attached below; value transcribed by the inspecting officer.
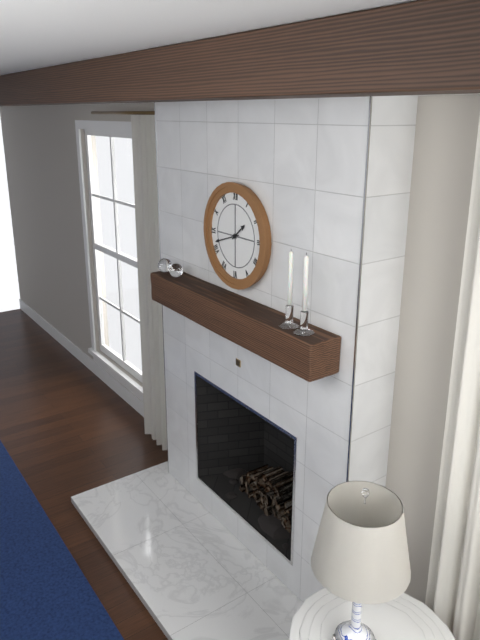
1:42
